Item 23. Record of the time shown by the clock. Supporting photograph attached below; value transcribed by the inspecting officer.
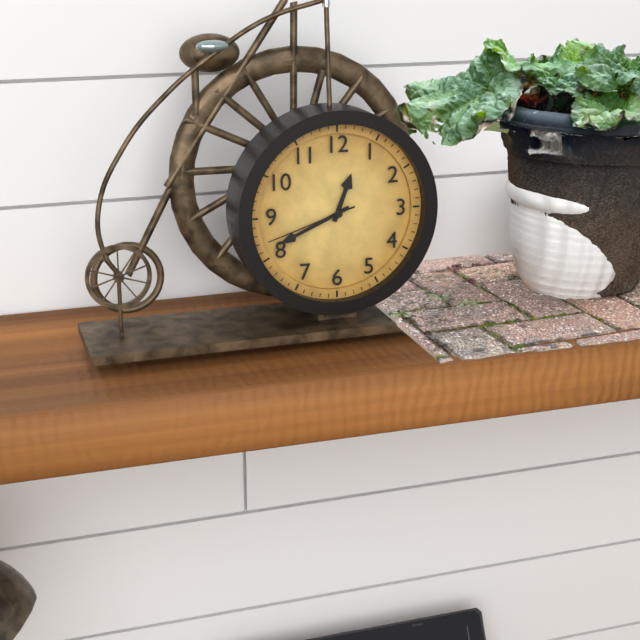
12:41:42
